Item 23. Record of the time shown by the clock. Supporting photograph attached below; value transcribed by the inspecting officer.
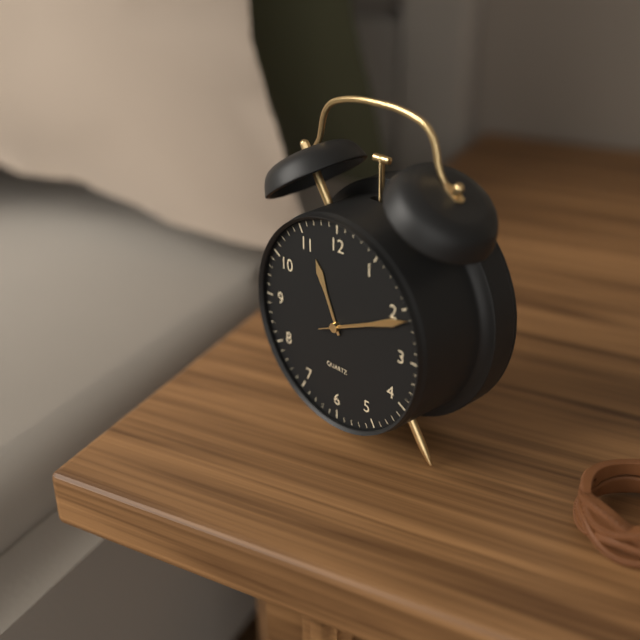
11:11:11
